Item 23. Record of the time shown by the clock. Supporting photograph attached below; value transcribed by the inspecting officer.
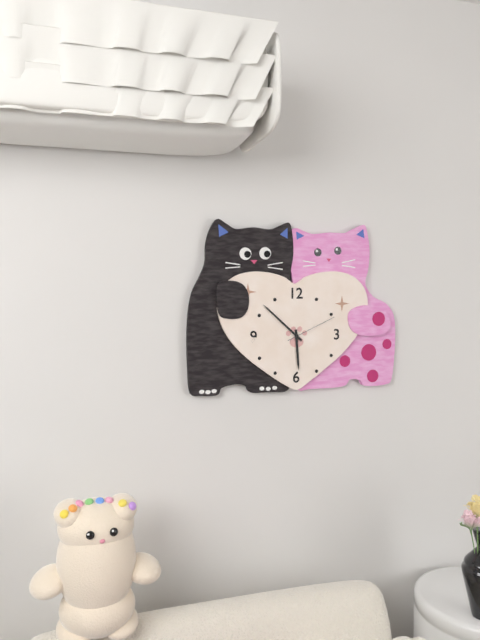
5:52:11
